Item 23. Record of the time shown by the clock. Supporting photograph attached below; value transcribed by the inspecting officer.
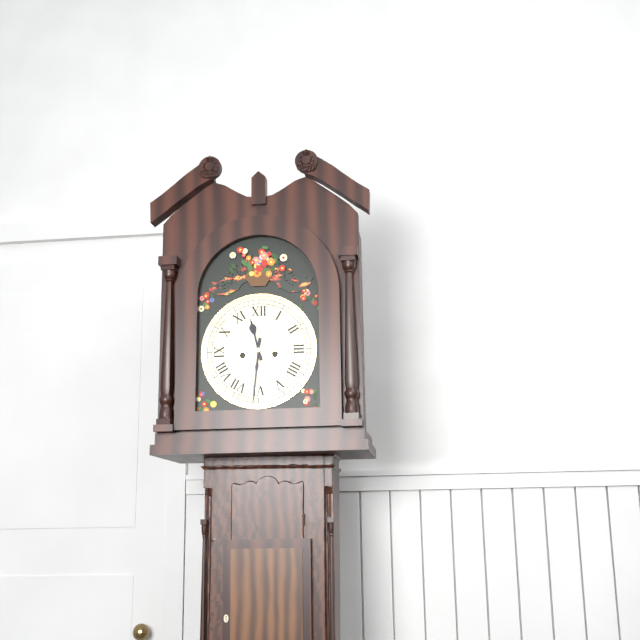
11:31
